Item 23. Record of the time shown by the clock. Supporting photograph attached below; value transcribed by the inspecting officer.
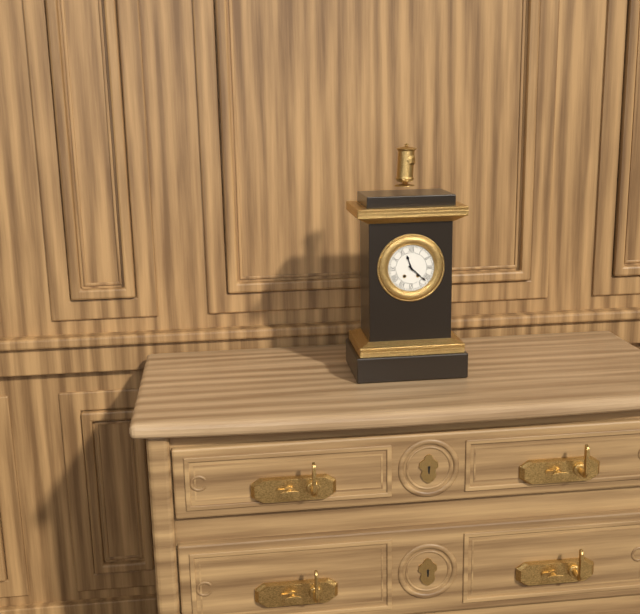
11:22
